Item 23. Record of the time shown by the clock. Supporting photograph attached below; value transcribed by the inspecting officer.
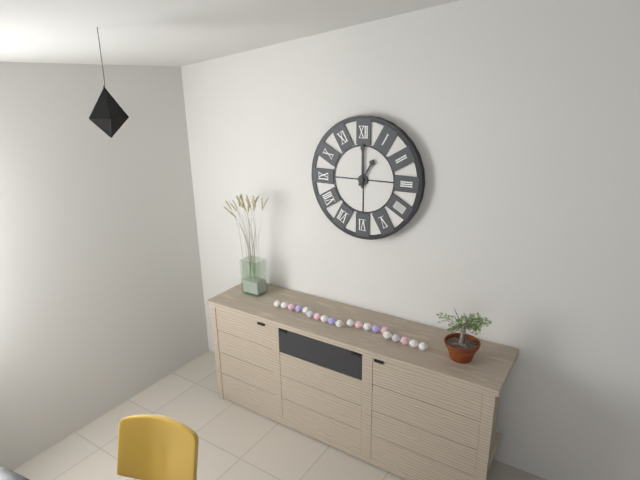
1:00
